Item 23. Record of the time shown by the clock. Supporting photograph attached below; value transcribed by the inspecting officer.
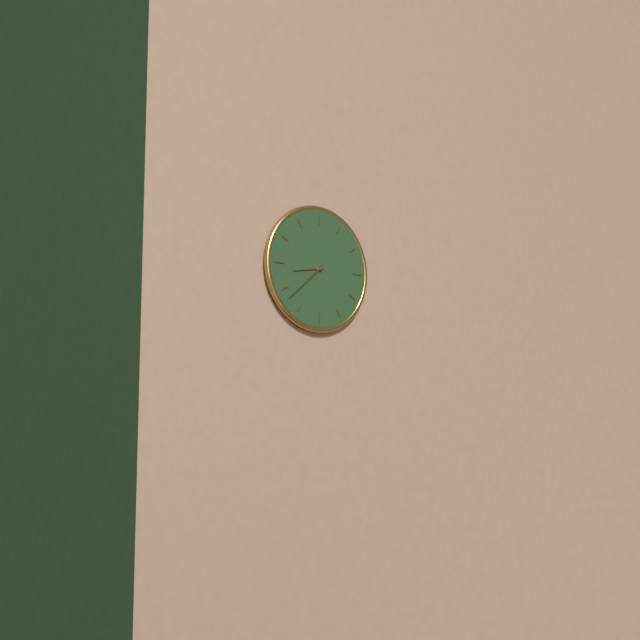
8:38
